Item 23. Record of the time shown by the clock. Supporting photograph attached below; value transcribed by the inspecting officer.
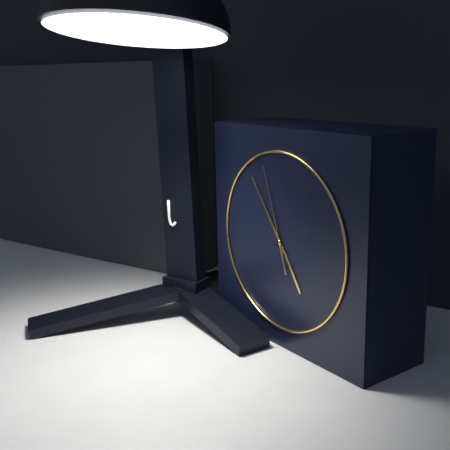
4:54:57
